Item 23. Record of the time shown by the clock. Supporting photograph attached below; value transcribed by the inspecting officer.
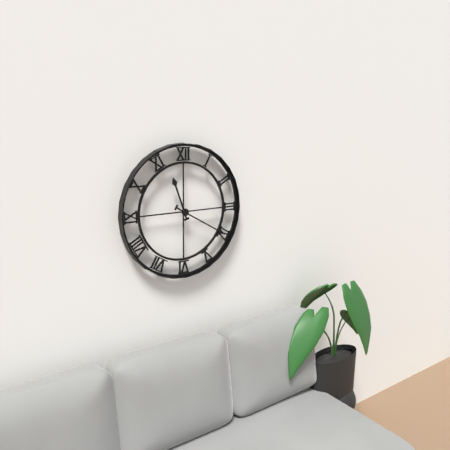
11:20
